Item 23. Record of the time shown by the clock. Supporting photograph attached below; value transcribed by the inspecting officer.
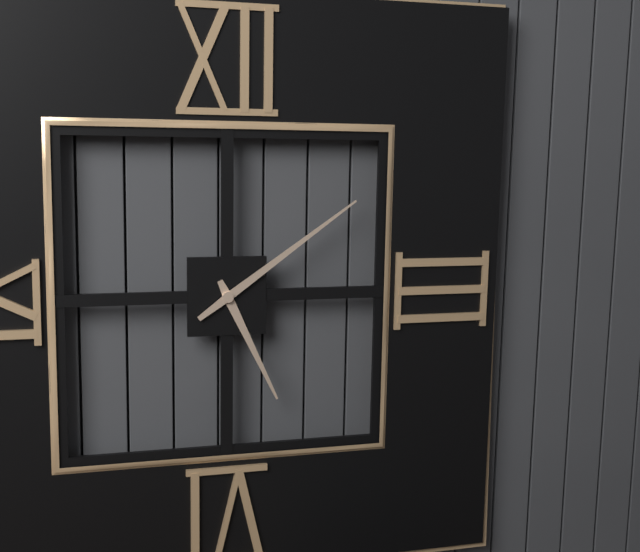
5:09
